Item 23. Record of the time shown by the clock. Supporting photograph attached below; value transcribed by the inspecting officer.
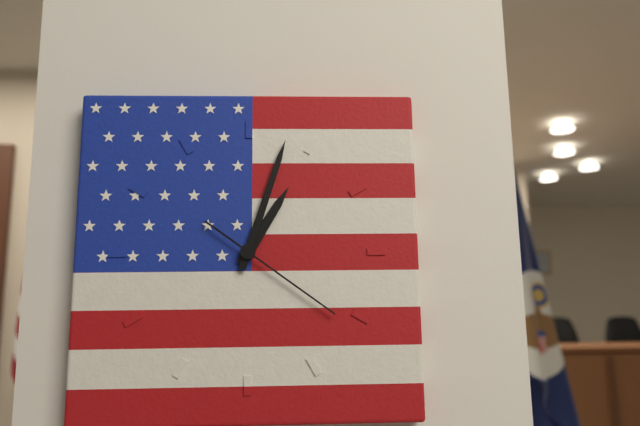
1:03:21
